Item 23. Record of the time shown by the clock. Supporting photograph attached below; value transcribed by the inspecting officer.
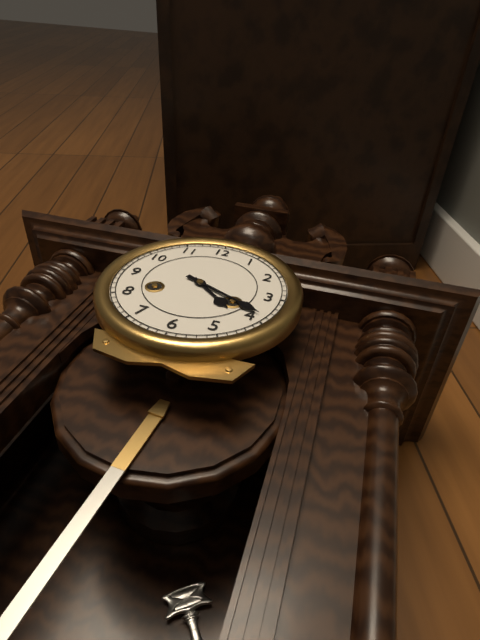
4:19
